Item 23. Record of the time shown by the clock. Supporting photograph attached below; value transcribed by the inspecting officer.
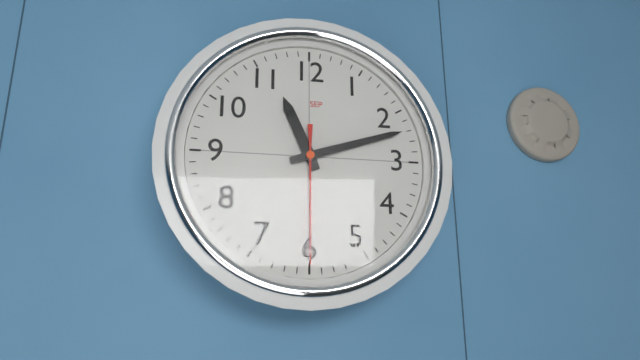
11:12:30
